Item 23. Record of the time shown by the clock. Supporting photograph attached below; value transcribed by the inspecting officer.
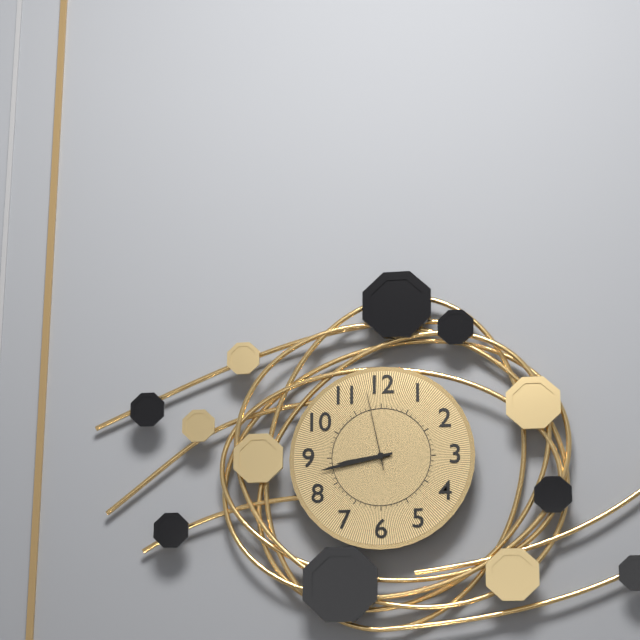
8:43:58
